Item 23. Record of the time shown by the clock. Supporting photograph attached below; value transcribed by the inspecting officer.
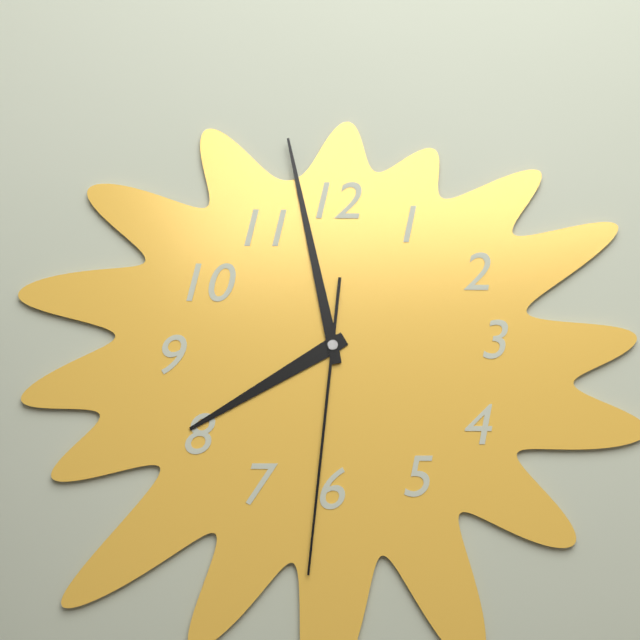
7:58:31
